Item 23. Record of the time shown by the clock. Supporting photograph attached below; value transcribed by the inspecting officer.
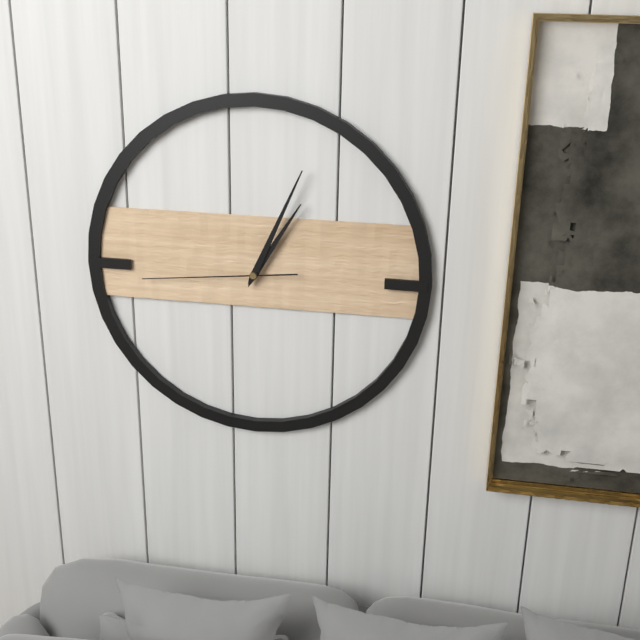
1:04:44
